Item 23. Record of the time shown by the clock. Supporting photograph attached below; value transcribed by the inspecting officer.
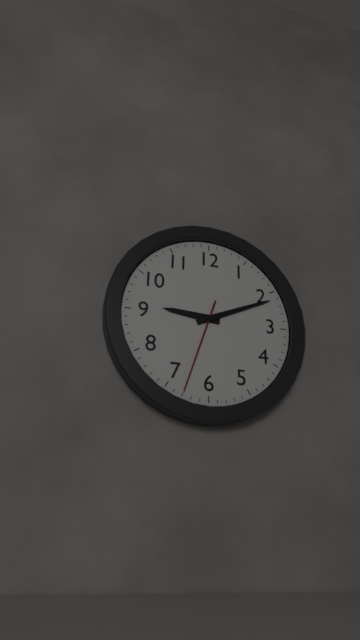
9:11:33
